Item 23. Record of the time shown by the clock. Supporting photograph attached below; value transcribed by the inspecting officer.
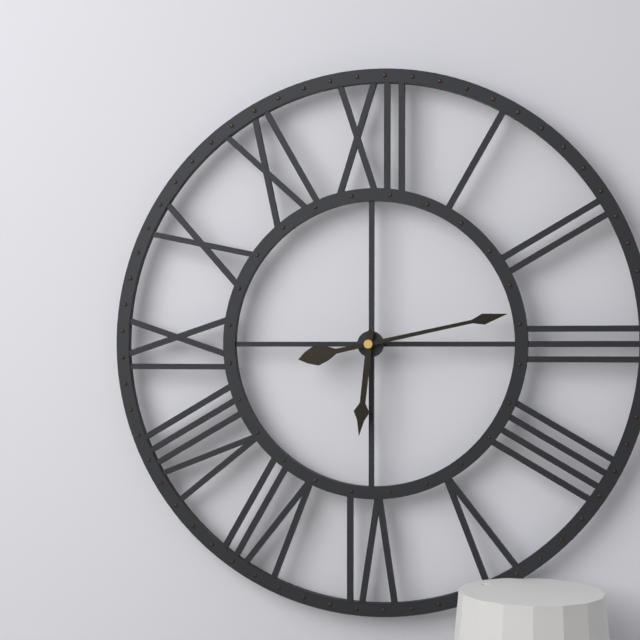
6:13
